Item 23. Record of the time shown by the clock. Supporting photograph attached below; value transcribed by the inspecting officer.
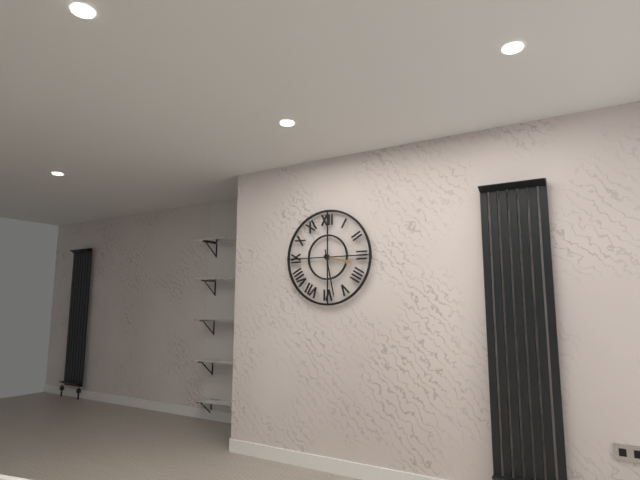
3:28
